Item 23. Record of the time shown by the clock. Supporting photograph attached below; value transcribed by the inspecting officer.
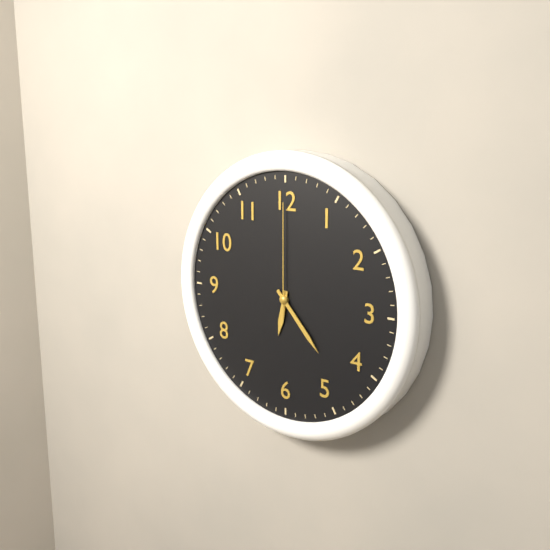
6:23:00
